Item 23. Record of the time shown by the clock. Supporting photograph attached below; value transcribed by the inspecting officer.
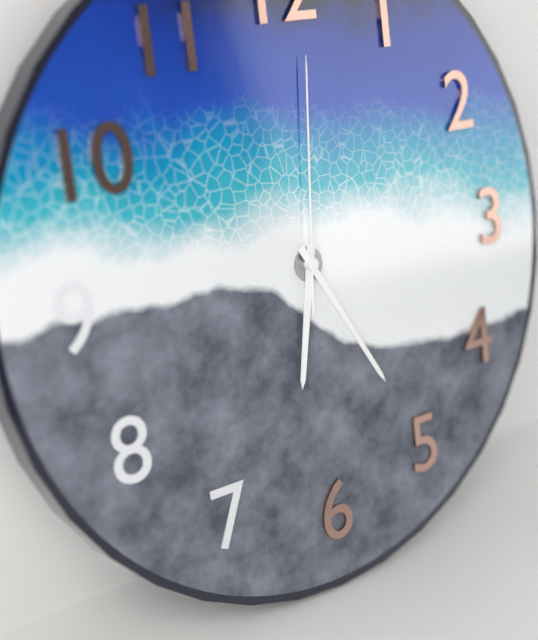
6:25:01
